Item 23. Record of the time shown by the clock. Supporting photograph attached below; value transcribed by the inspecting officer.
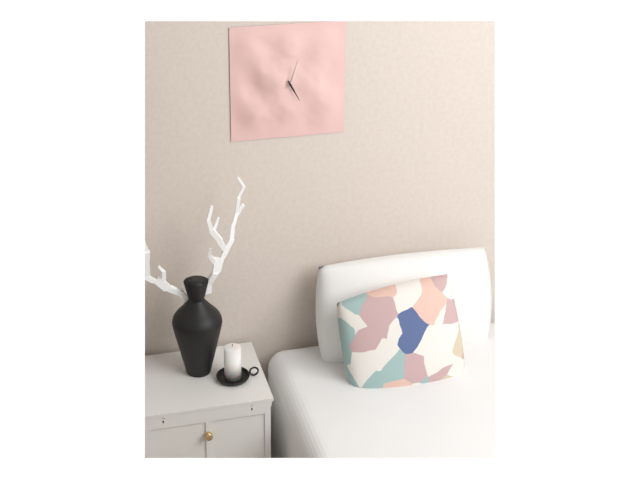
5:03
